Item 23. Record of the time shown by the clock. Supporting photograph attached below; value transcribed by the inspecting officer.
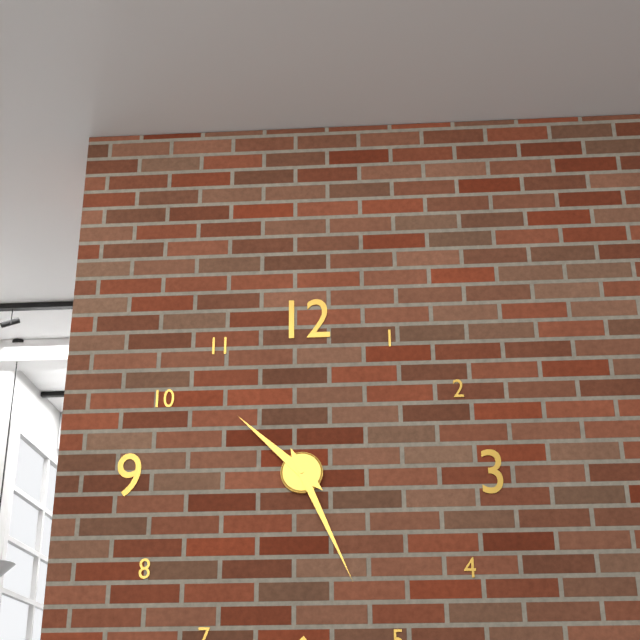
10:26
